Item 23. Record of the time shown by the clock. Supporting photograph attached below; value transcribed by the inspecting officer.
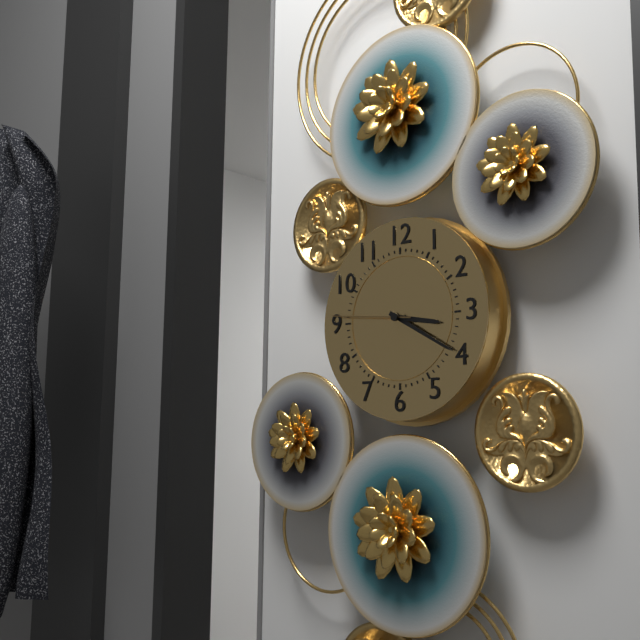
3:20:46
